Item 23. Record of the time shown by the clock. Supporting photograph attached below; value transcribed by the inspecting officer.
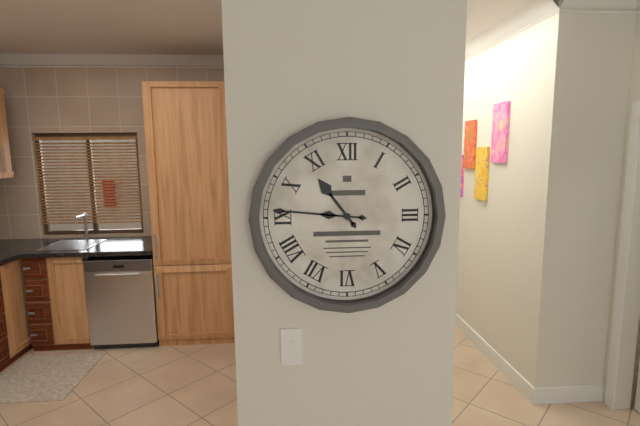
10:46
